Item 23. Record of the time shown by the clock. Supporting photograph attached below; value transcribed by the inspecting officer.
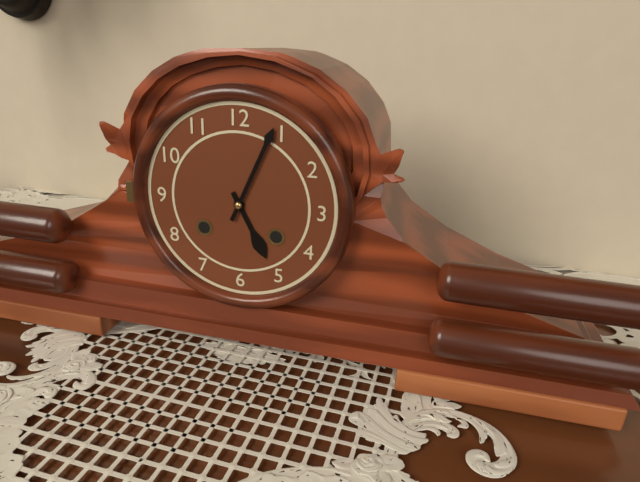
5:04
